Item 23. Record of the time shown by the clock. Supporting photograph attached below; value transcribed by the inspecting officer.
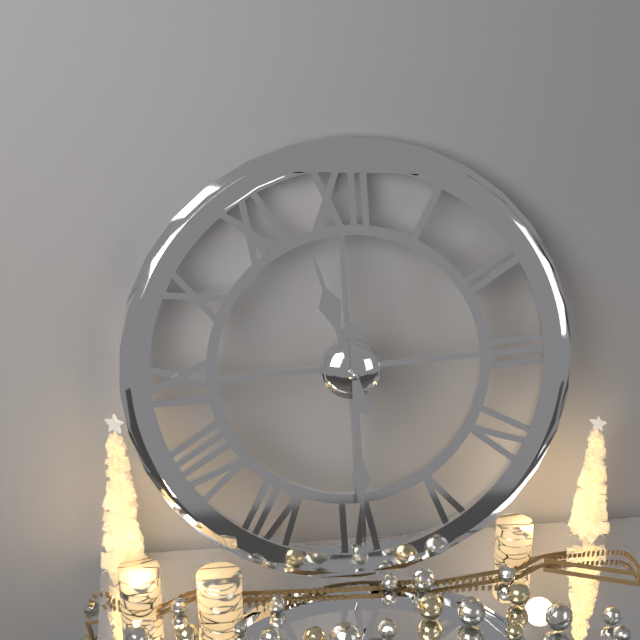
11:30
